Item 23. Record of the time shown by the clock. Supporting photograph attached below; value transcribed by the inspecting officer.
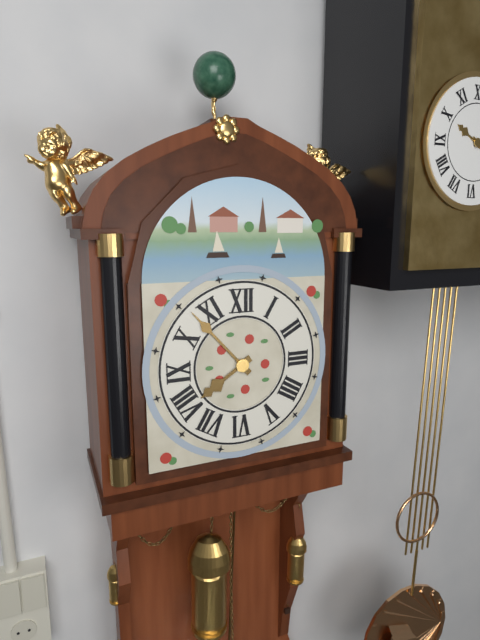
7:53
